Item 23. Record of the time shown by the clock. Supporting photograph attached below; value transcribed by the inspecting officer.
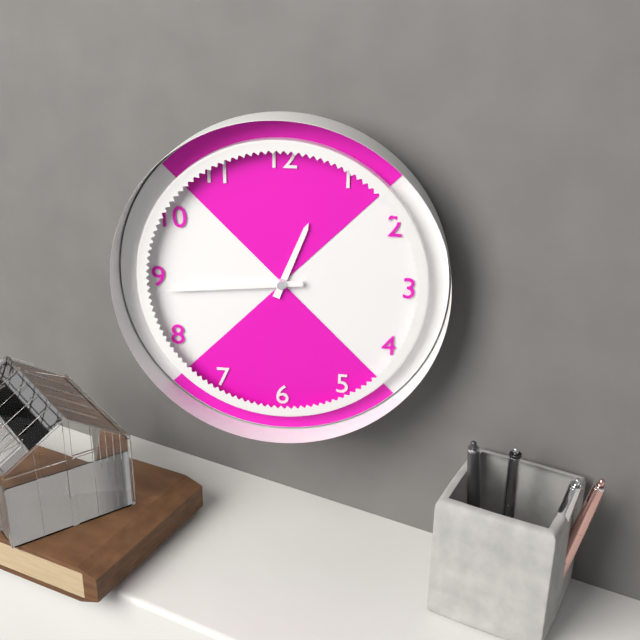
12:44
